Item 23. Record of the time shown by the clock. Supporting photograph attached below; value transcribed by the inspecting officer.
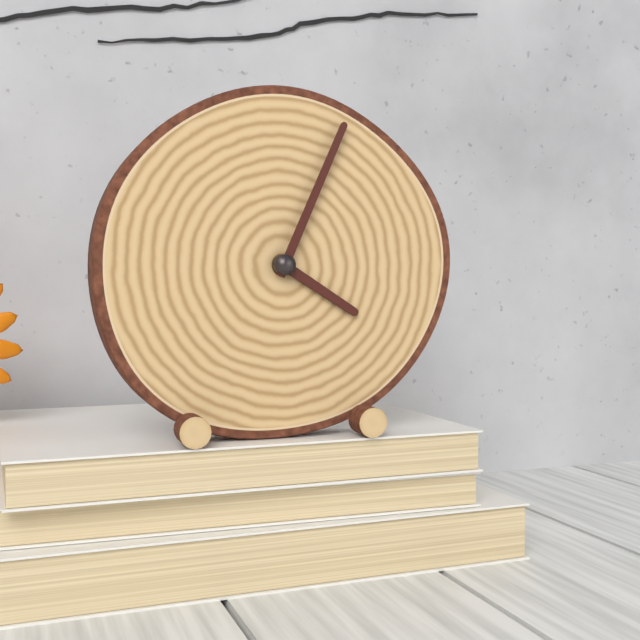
4:04
